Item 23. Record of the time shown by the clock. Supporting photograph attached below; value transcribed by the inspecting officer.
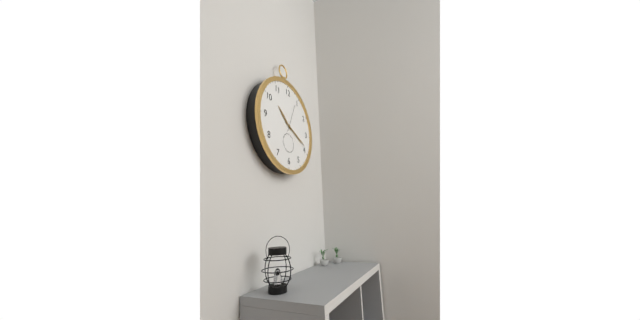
10:19
